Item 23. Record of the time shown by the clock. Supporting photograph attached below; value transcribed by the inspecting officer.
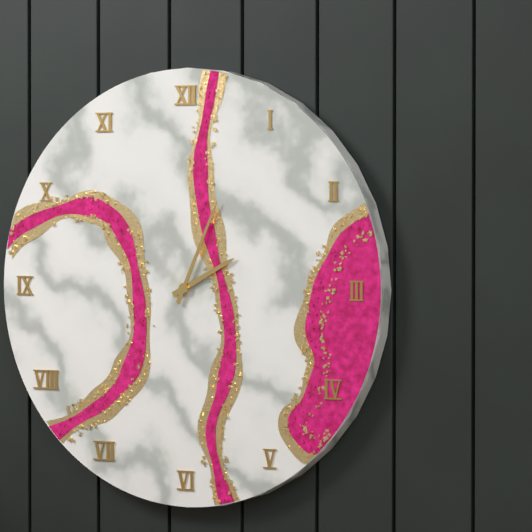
2:04
